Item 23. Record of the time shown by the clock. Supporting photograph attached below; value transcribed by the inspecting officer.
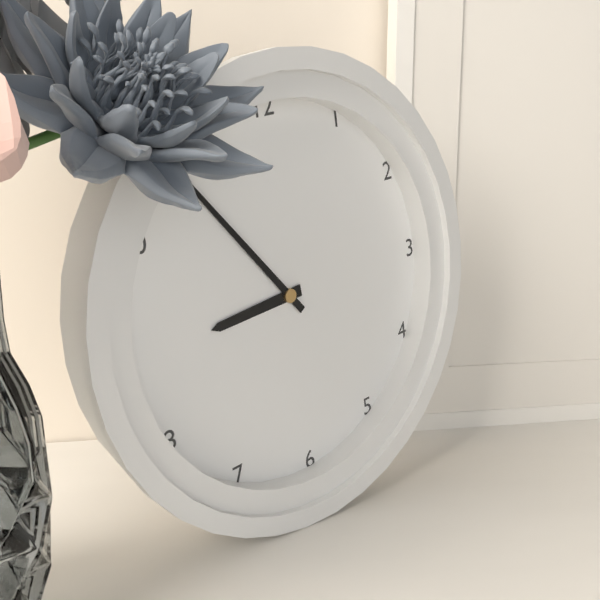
8:54
